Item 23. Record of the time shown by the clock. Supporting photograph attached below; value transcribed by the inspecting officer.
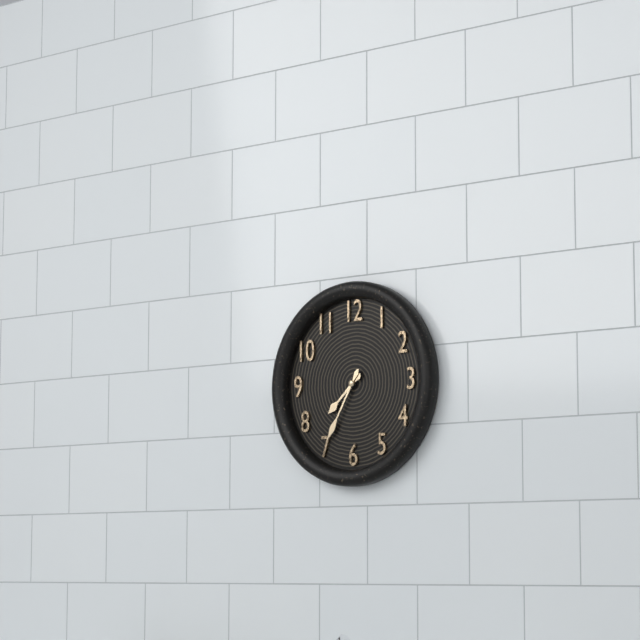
7:35
